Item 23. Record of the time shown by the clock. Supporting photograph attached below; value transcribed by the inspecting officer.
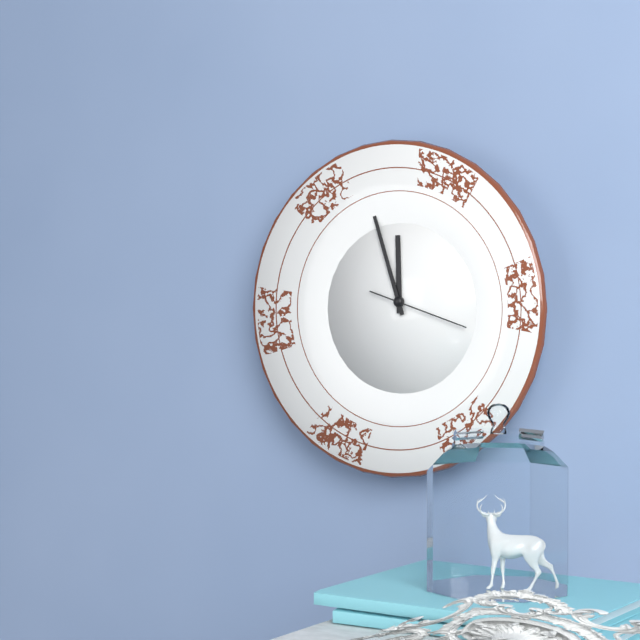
11:57:18
